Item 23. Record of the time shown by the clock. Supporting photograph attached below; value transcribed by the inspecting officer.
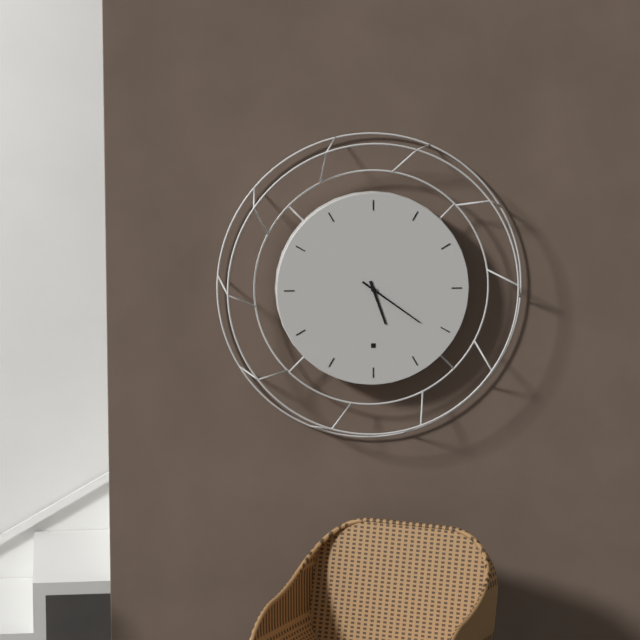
5:21
